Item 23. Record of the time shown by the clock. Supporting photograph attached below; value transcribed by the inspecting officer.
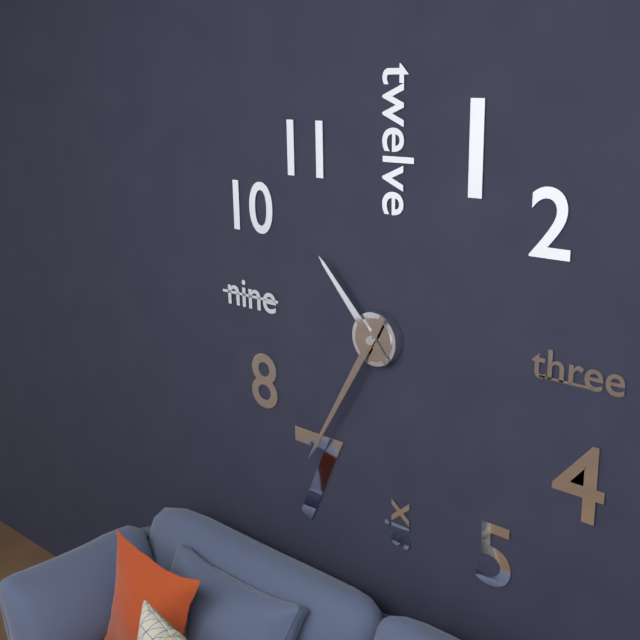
10:35
